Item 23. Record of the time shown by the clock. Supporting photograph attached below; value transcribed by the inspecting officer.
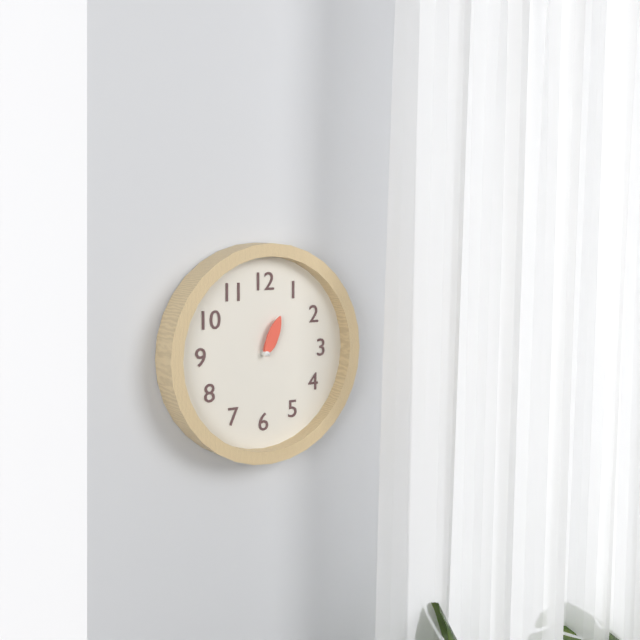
1:04
